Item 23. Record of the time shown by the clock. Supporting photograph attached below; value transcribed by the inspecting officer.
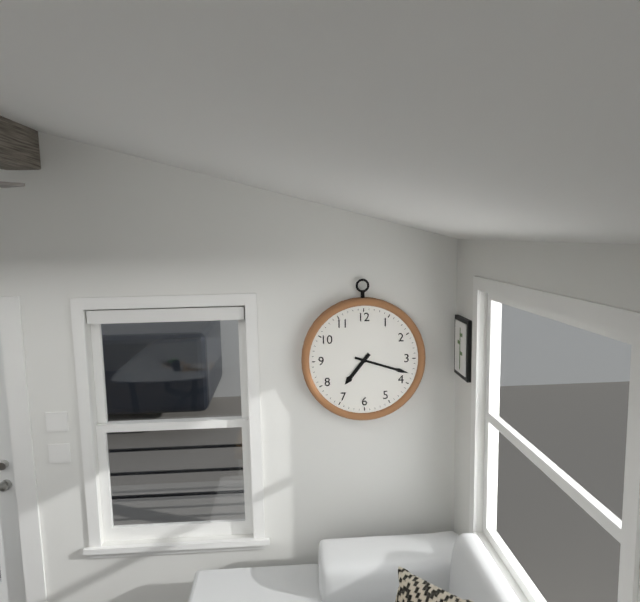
7:18
